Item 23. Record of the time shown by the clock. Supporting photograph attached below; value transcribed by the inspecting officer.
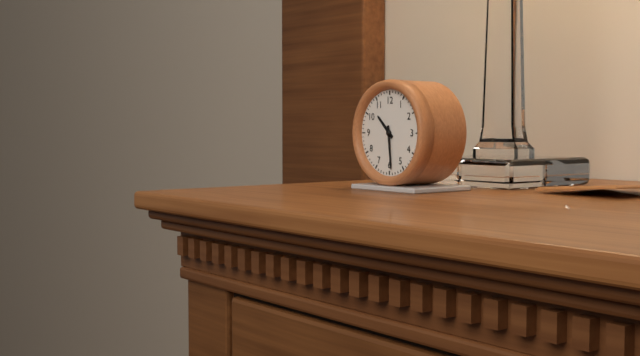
10:29
